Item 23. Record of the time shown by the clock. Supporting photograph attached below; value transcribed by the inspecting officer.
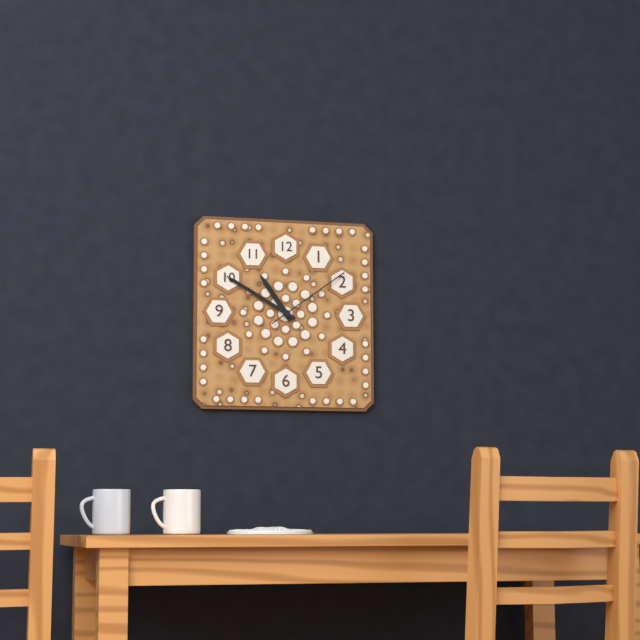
10:50:09
